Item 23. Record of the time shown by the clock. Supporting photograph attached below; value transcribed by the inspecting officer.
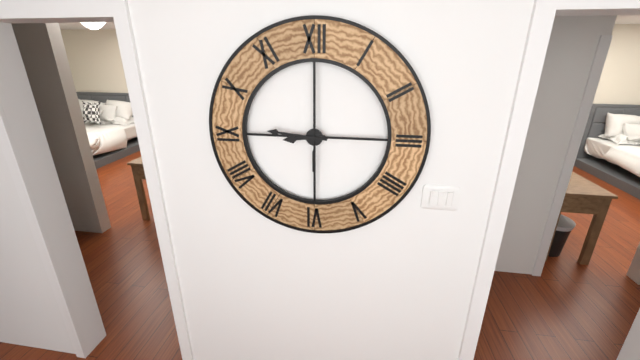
8:46:00
